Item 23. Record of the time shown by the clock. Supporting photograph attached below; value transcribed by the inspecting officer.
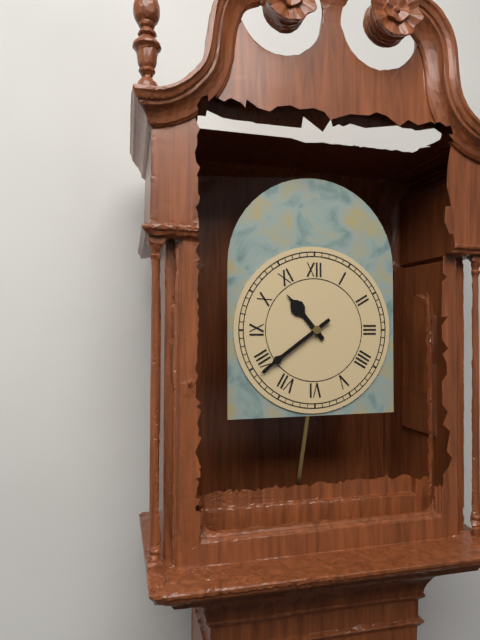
10:39
